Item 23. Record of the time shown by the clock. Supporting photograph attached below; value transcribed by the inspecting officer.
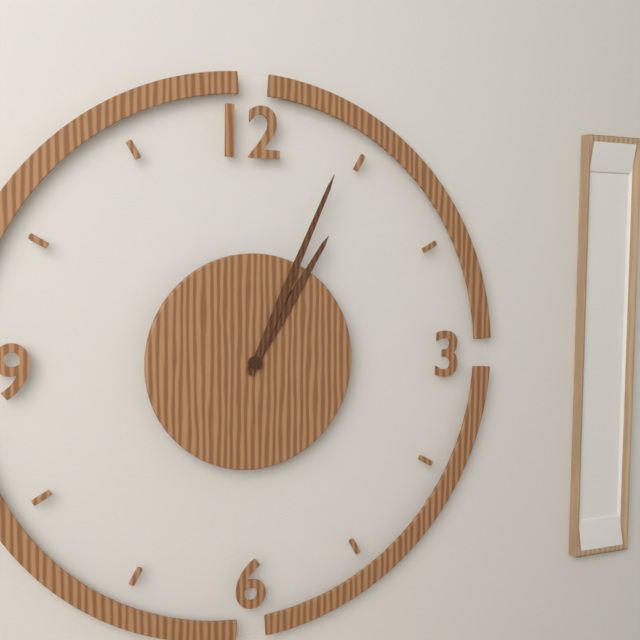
1:04
